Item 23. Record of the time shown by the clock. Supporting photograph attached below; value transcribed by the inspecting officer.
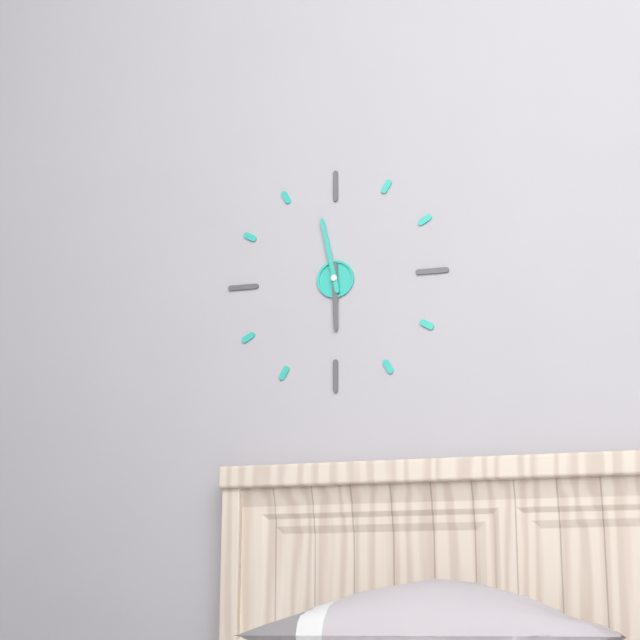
5:58
